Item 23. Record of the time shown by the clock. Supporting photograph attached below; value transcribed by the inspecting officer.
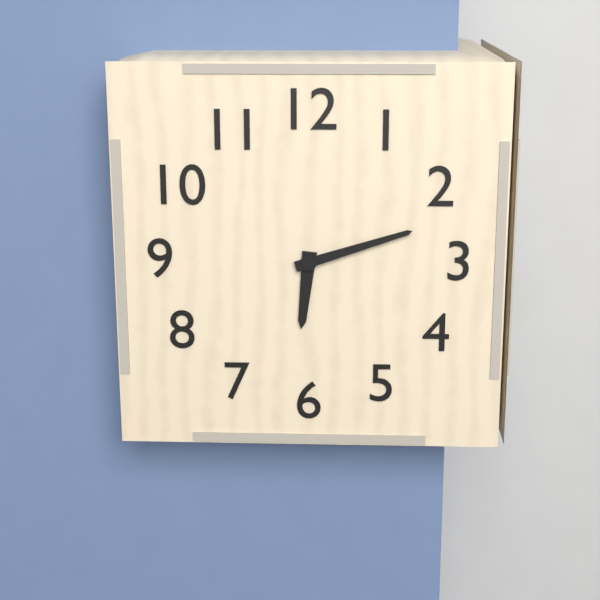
6:12
